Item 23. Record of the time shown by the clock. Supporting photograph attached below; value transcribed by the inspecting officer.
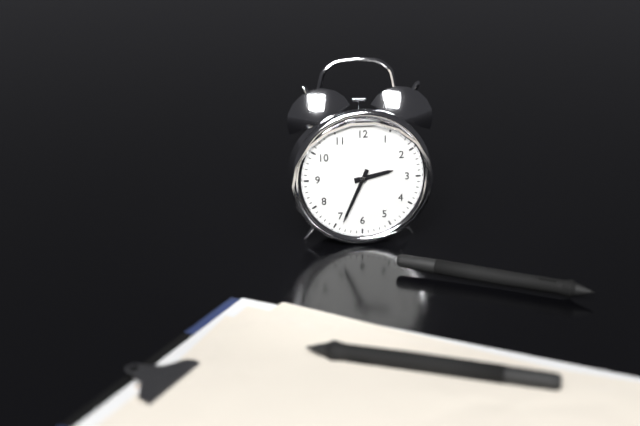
2:34
